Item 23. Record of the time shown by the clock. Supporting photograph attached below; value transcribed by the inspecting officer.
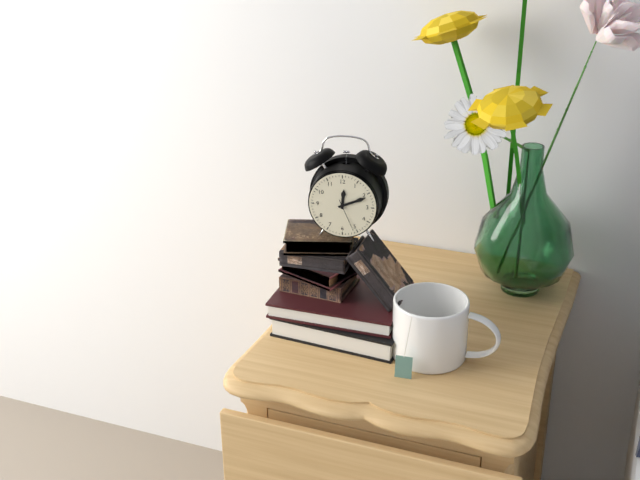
12:11
